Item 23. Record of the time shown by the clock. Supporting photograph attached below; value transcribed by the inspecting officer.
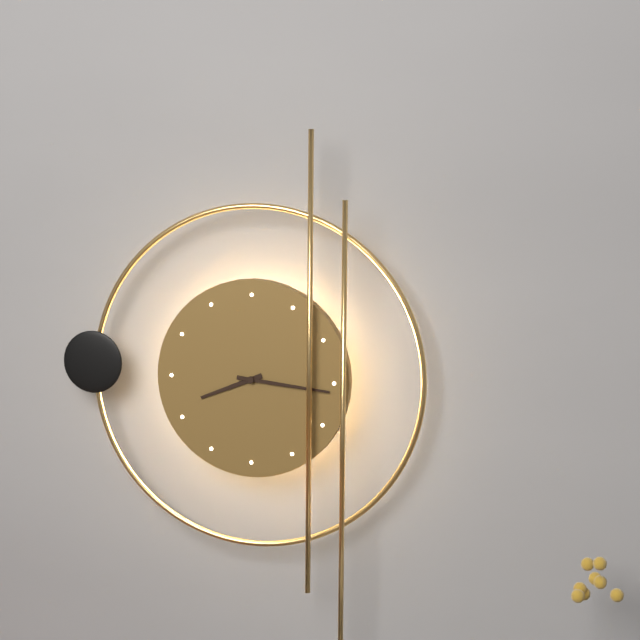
8:16
